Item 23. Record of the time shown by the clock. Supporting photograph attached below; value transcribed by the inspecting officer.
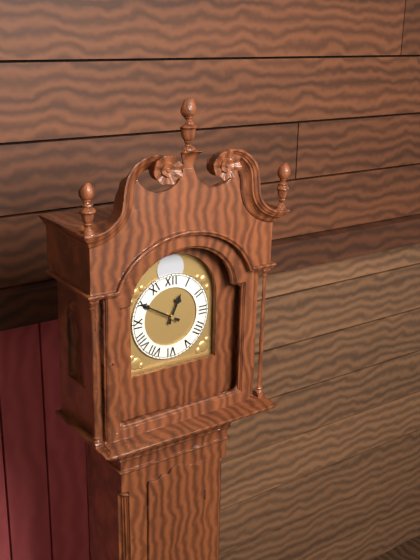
12:50
